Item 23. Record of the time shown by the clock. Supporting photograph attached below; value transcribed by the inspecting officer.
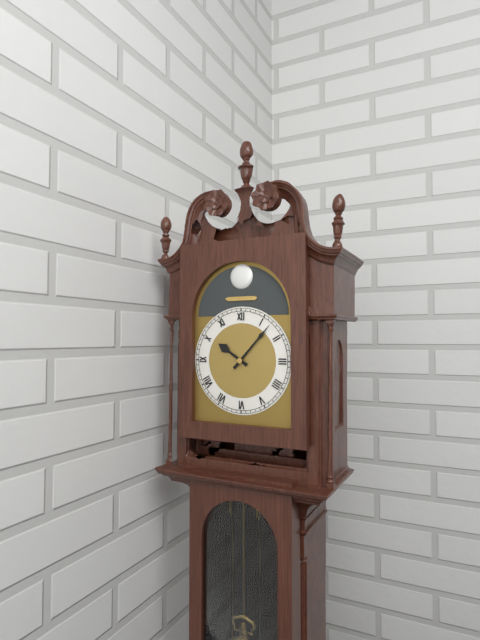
10:07
